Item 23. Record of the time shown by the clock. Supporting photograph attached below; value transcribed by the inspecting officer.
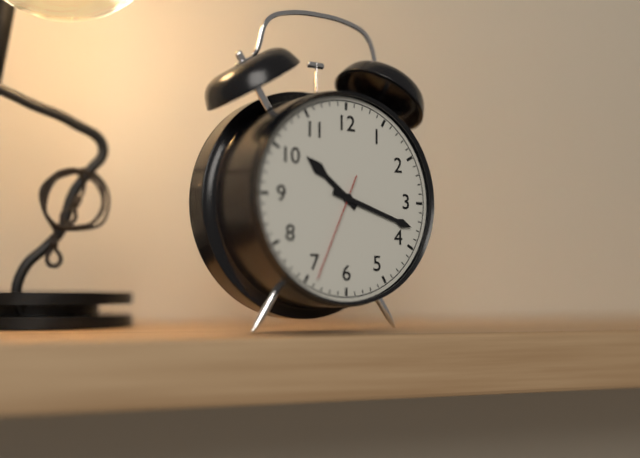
10:18:34
